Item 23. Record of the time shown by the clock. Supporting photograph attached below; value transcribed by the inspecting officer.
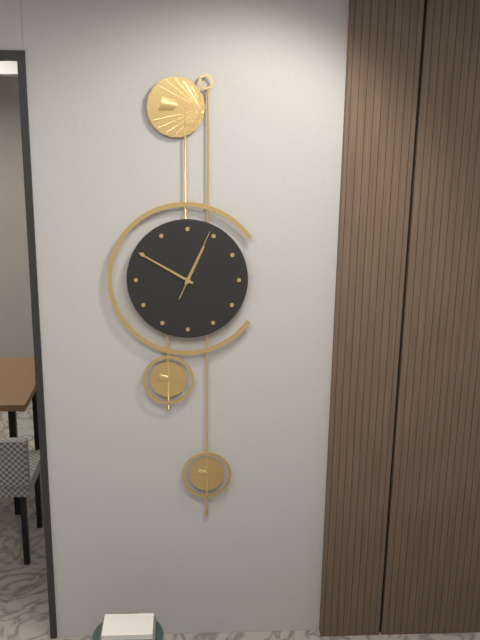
12:50:04
